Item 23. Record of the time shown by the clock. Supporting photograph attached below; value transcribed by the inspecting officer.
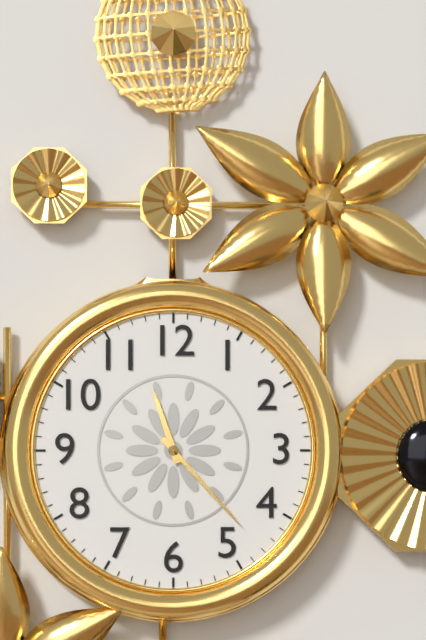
11:23
